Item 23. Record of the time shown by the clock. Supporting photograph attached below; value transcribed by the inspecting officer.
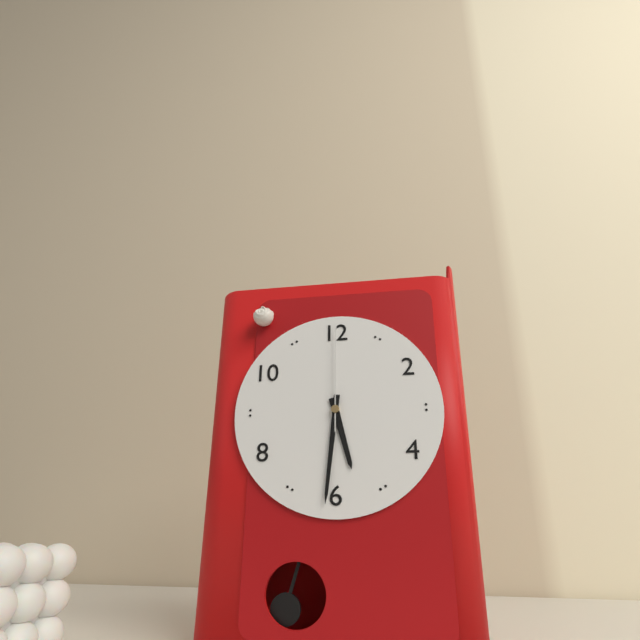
5:31:00
